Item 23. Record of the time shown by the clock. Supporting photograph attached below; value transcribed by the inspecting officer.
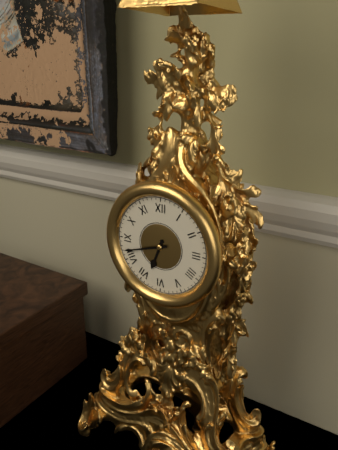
6:42
